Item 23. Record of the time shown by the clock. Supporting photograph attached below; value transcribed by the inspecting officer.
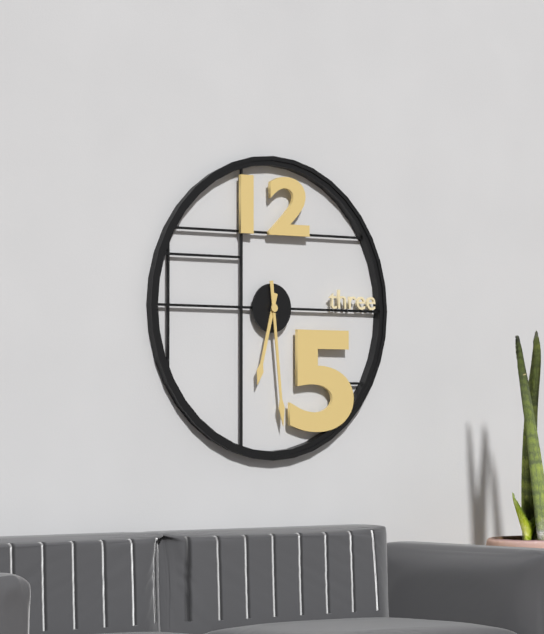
6:29
